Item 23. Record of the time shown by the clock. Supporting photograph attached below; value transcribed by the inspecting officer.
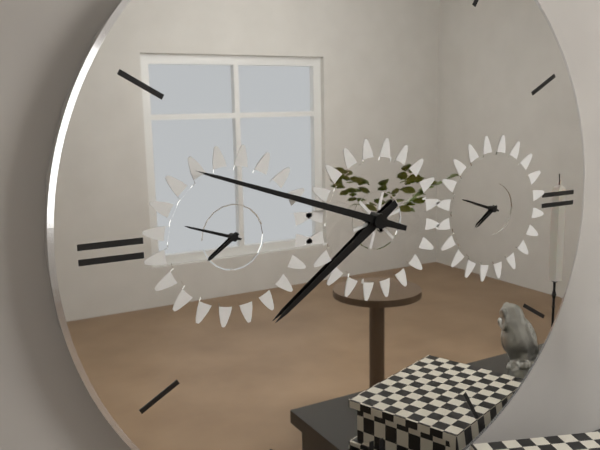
7:48
